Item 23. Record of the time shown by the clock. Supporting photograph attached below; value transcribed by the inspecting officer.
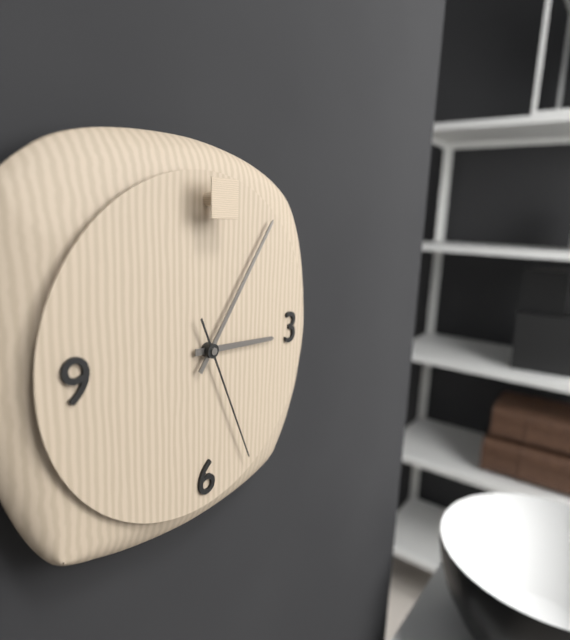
3:06:26
